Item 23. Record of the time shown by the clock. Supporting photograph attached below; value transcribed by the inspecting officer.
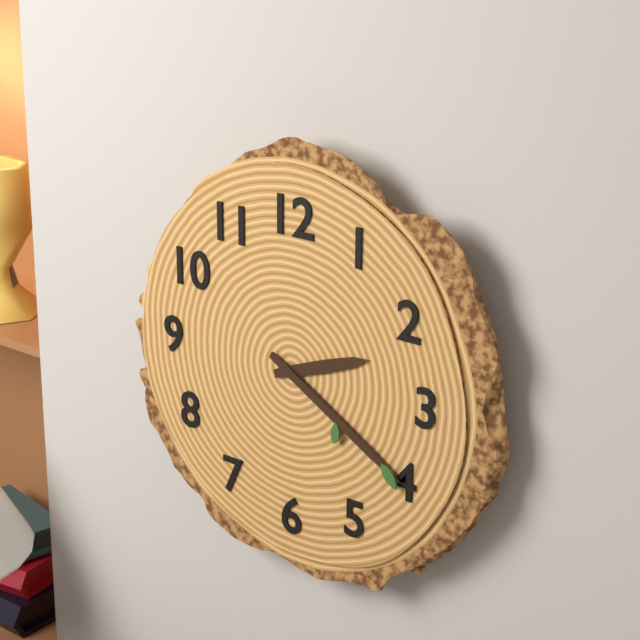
2:20
